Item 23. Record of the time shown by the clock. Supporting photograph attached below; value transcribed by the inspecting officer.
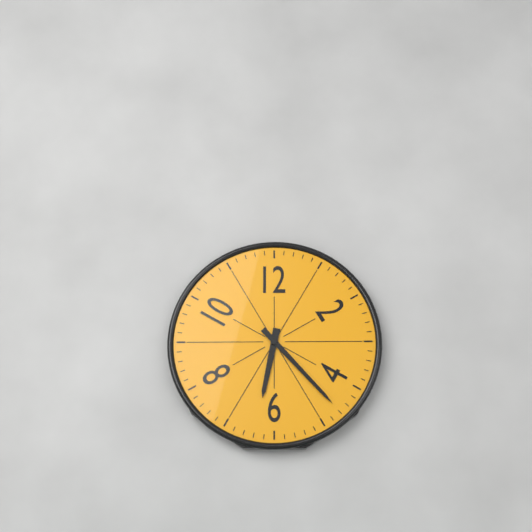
6:23
